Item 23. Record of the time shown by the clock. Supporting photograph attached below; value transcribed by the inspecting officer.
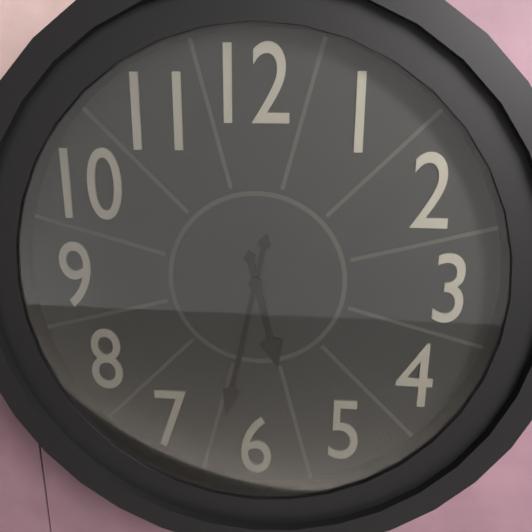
5:32
